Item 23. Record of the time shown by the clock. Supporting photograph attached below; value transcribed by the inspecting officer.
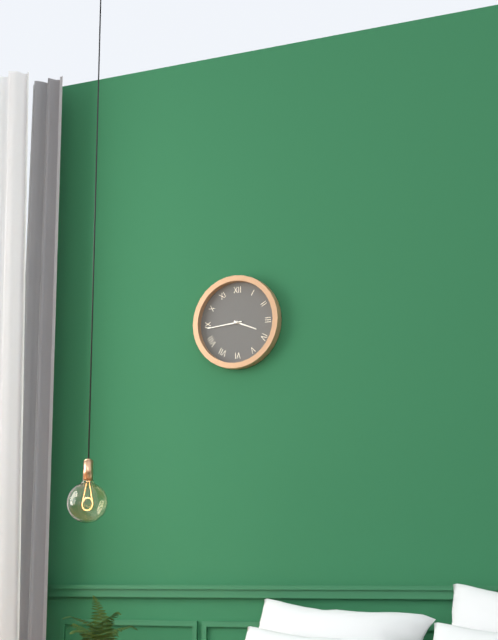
3:44
